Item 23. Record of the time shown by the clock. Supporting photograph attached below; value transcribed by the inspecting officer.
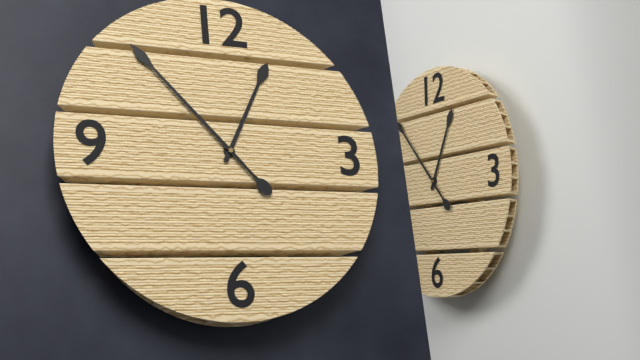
12:53
